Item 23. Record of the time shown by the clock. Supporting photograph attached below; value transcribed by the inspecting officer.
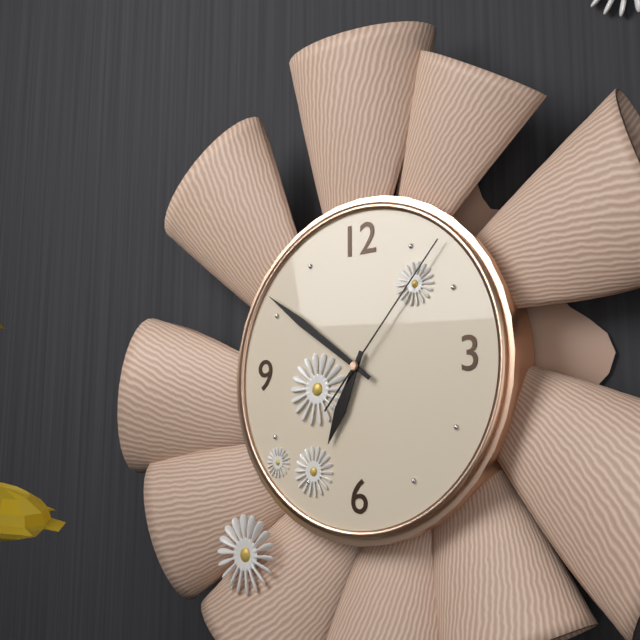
6:51:07
